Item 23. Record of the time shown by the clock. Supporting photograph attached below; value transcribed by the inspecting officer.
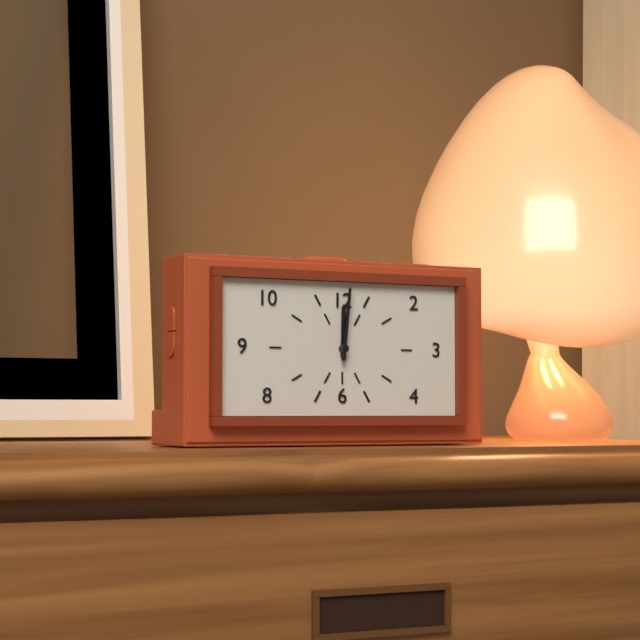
12:01
